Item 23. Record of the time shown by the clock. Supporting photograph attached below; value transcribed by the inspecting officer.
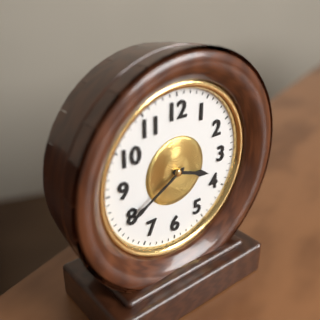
3:40
